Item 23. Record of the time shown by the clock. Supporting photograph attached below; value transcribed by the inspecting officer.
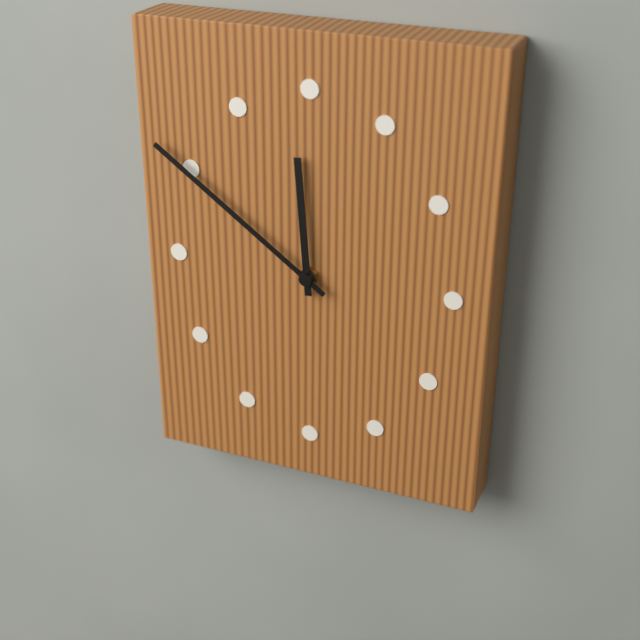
11:51
